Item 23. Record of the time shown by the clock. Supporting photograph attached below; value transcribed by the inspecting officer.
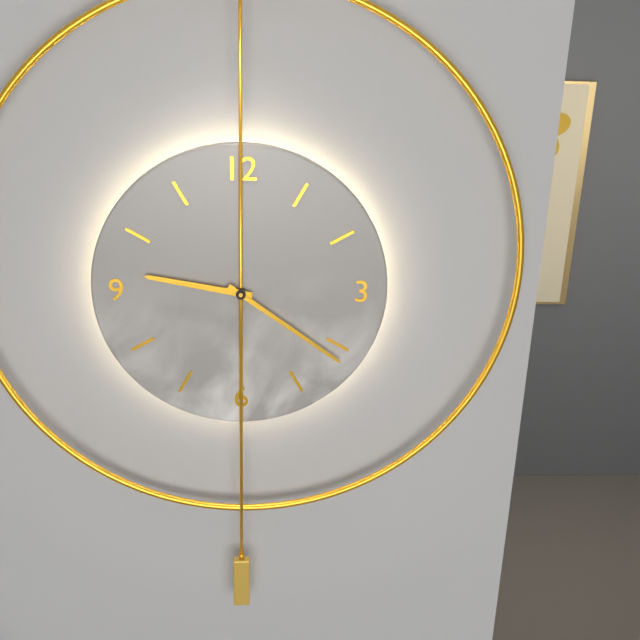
9:21
